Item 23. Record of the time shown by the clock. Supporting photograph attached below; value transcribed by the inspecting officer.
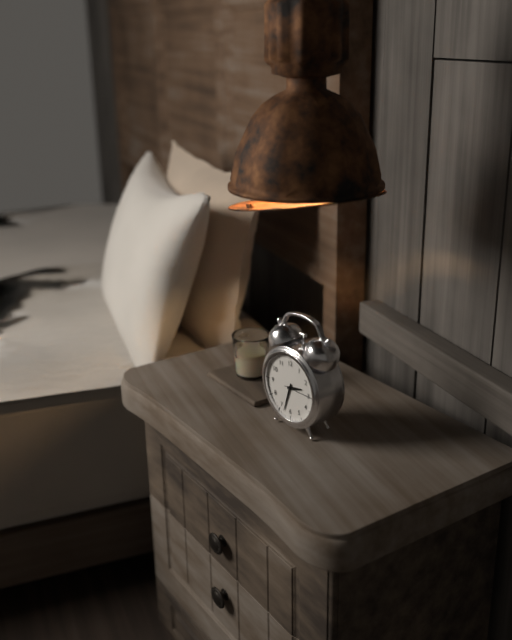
2:33
